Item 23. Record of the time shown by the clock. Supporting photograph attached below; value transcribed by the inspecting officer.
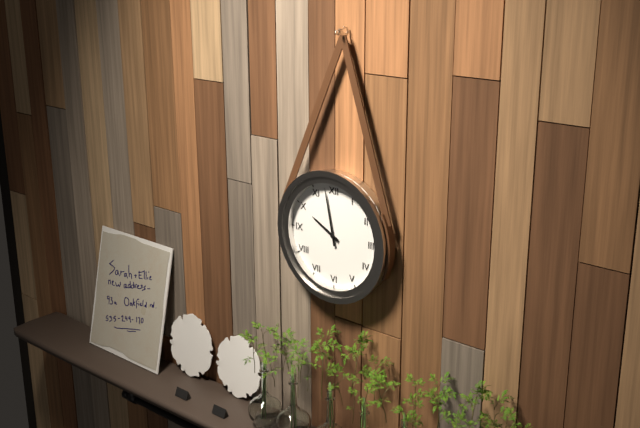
9:58
